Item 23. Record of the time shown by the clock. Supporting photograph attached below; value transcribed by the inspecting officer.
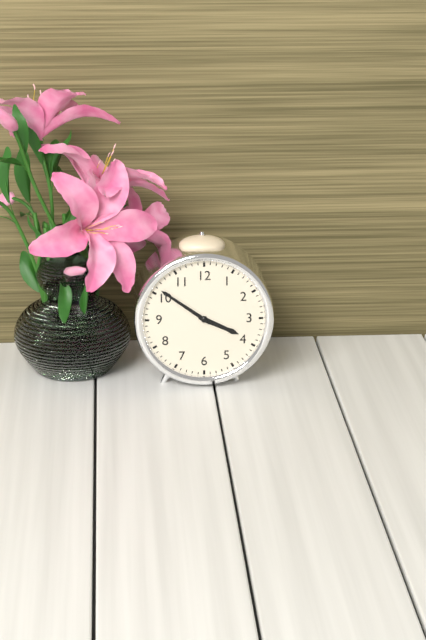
3:51
